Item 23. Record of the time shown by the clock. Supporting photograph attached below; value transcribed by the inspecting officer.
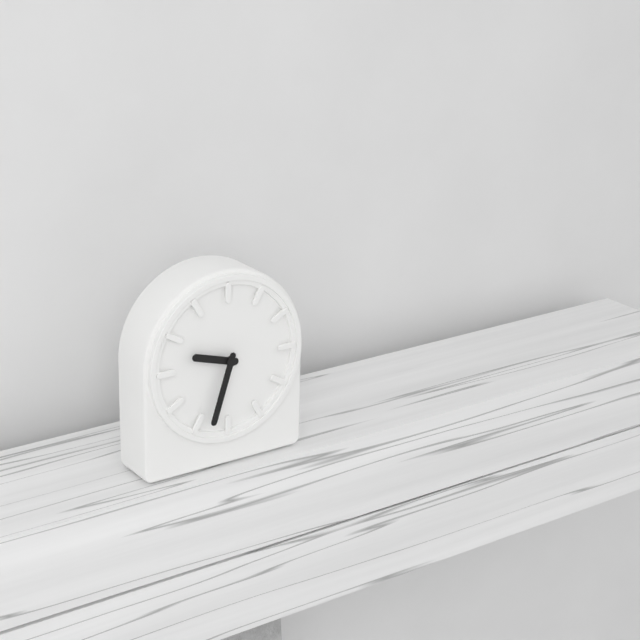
9:33
